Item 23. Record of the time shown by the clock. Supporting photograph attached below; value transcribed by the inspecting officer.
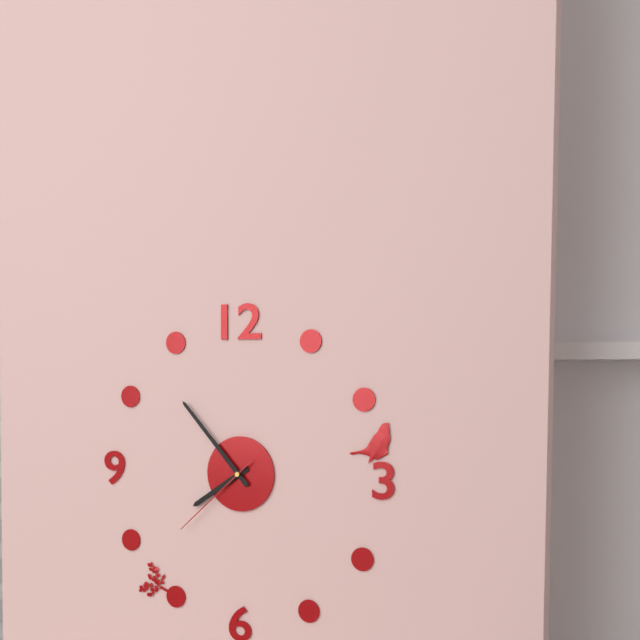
7:53:38
